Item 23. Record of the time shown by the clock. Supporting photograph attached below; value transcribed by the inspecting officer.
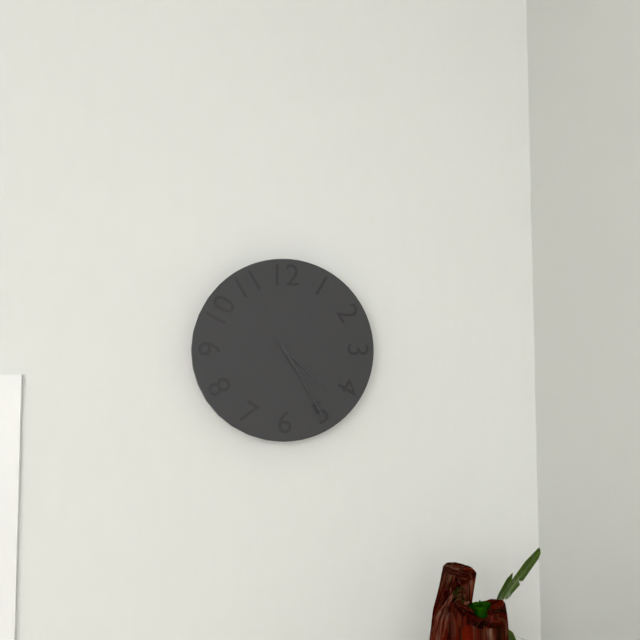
4:25
